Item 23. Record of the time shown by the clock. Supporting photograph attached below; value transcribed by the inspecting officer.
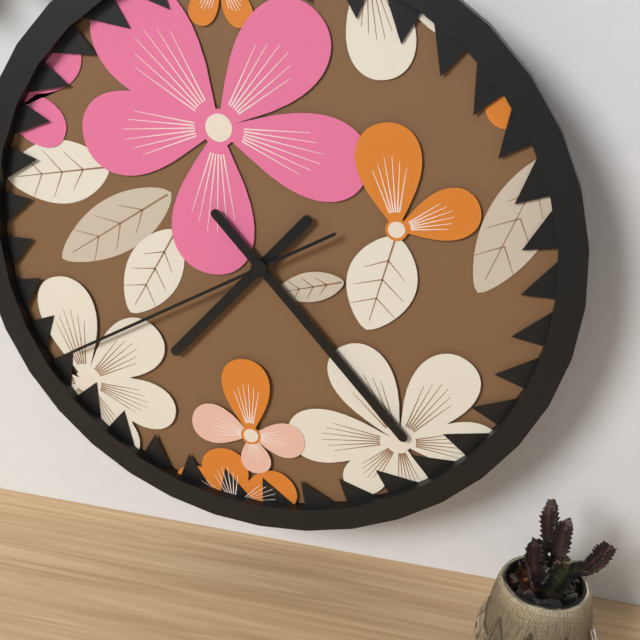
7:23:40
